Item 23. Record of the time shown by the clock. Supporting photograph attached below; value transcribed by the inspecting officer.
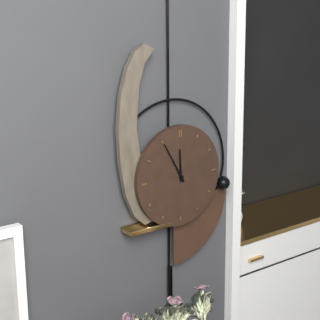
11:55
